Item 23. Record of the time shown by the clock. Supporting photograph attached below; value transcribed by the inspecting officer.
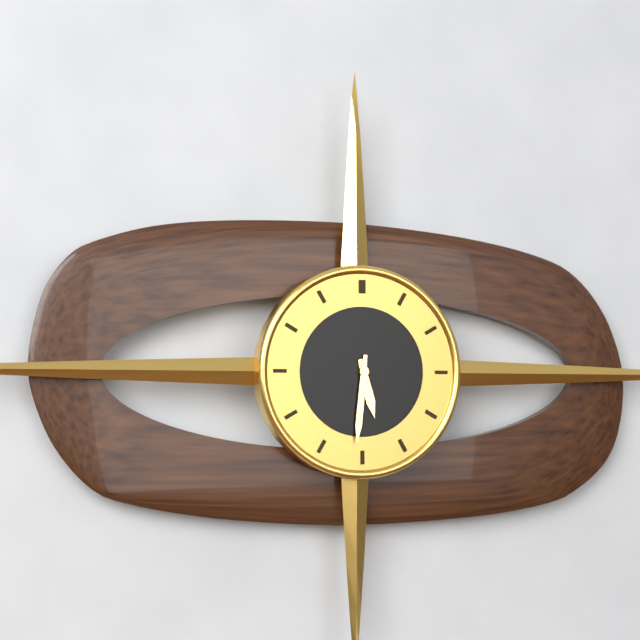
5:31
